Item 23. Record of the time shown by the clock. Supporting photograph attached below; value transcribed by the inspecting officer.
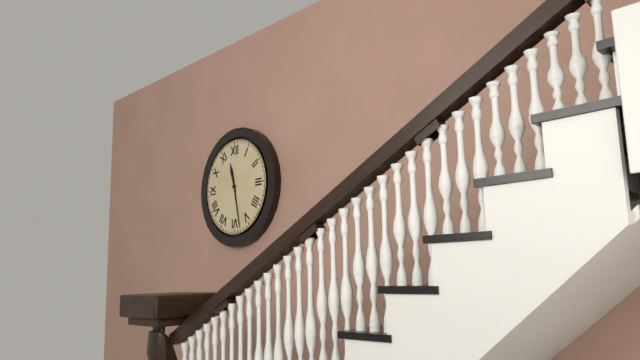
11:28
